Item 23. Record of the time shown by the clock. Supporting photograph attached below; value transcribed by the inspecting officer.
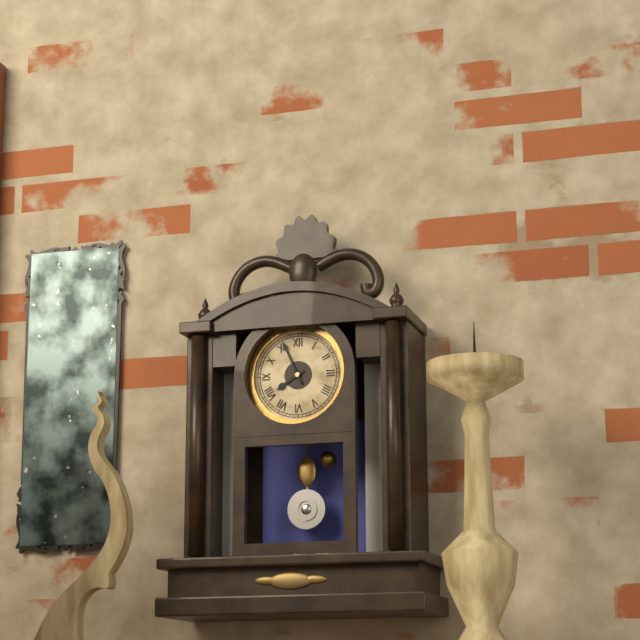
7:56
